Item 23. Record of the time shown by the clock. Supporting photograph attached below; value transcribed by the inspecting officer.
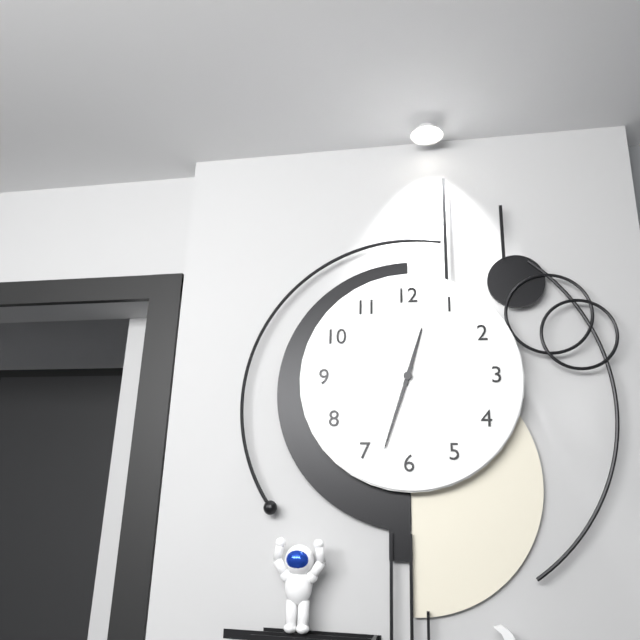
12:33
